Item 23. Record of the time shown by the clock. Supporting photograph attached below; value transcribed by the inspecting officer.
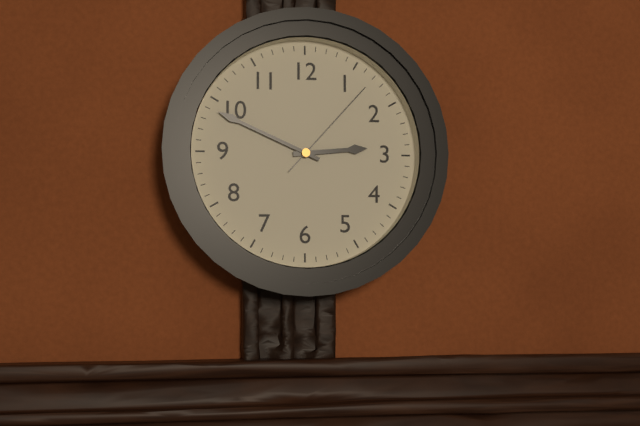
2:49:07
